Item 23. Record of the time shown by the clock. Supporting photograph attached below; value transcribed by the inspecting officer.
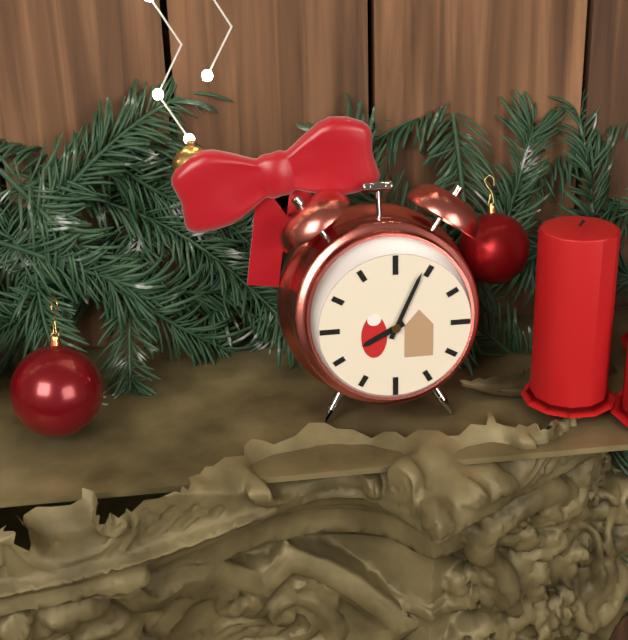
8:04
